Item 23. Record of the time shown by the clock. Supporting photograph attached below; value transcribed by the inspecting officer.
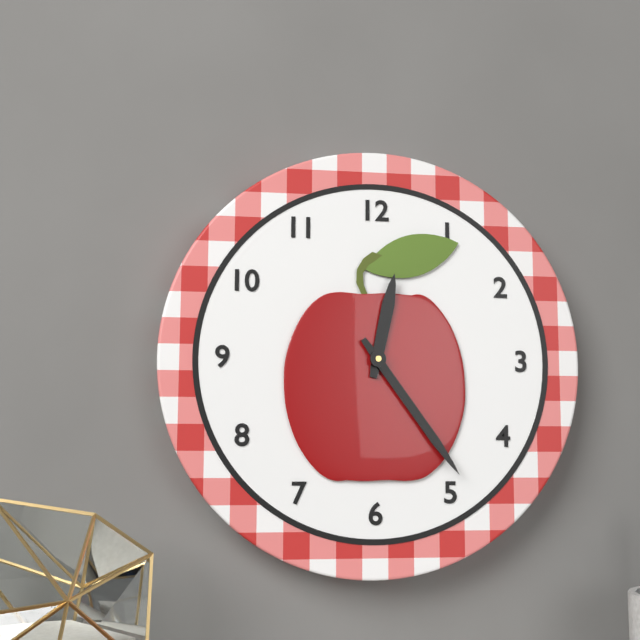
12:24
